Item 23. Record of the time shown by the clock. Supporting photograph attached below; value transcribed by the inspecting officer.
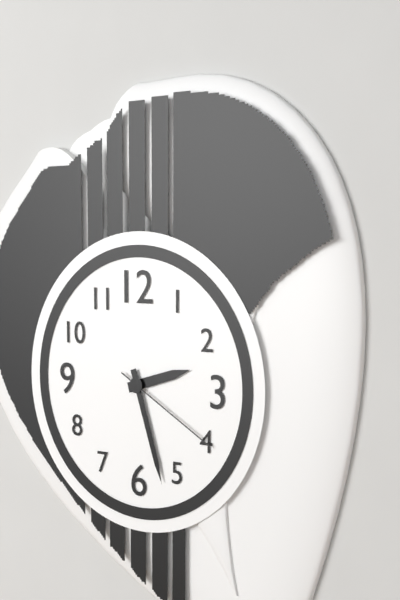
2:27:20
